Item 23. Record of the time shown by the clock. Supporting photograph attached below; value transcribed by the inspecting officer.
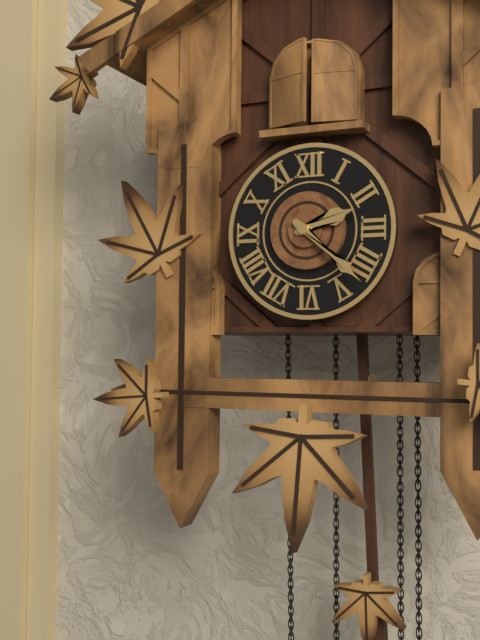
2:22
